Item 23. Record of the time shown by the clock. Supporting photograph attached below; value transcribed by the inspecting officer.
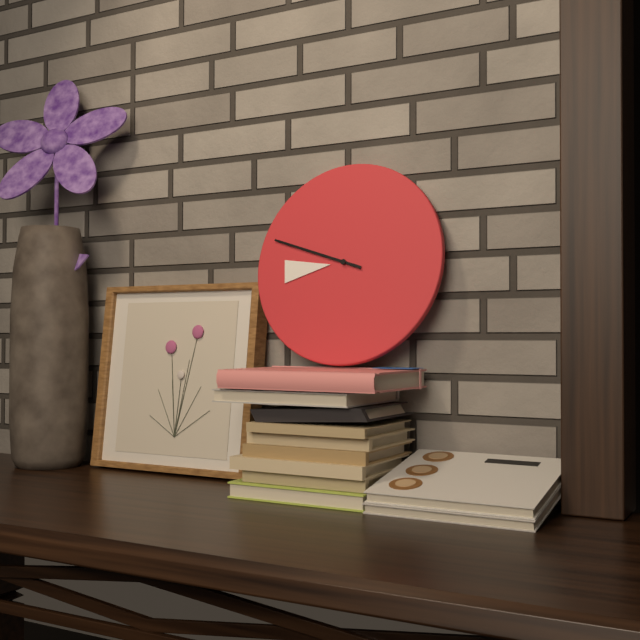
8:48
